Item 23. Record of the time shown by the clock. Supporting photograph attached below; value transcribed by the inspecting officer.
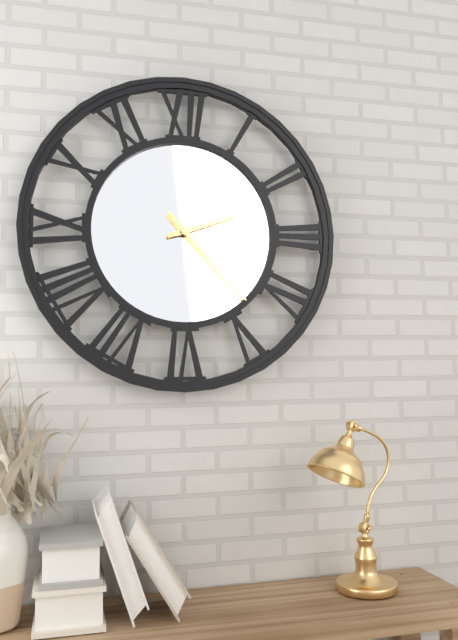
2:23
